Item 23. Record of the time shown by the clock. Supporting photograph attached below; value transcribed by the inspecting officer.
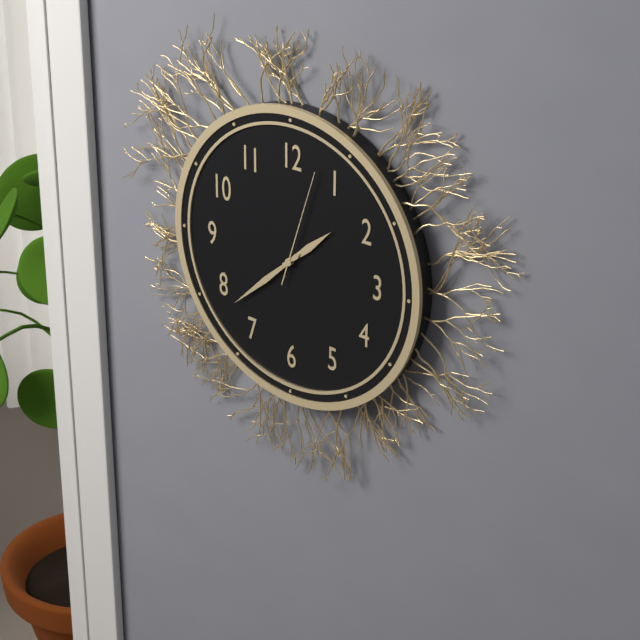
1:38:03
